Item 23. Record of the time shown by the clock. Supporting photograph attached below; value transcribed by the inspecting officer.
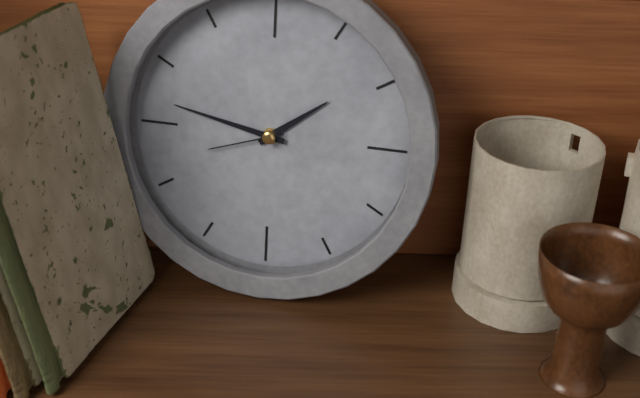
1:47:42
